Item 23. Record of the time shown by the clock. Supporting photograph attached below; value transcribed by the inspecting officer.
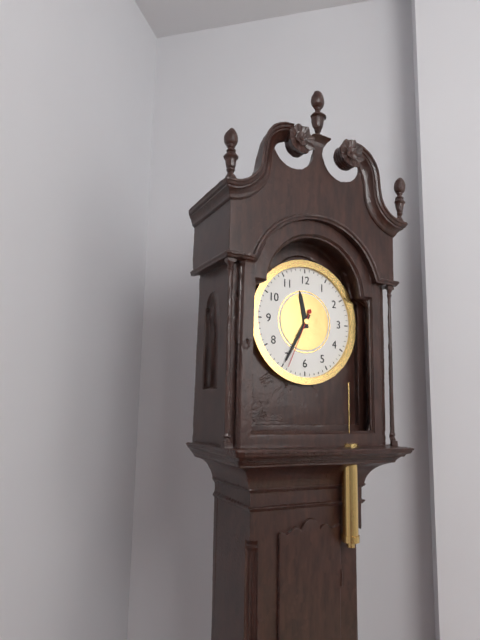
11:35:34
